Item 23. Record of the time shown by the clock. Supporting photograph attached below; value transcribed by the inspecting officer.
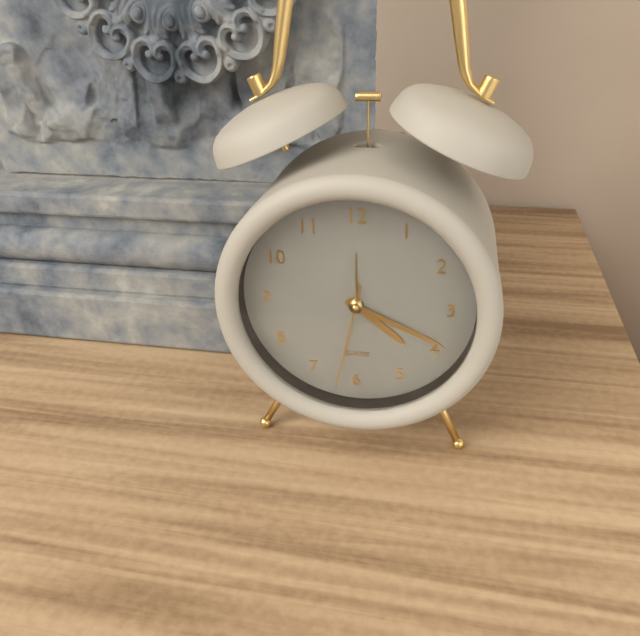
4:19:32
